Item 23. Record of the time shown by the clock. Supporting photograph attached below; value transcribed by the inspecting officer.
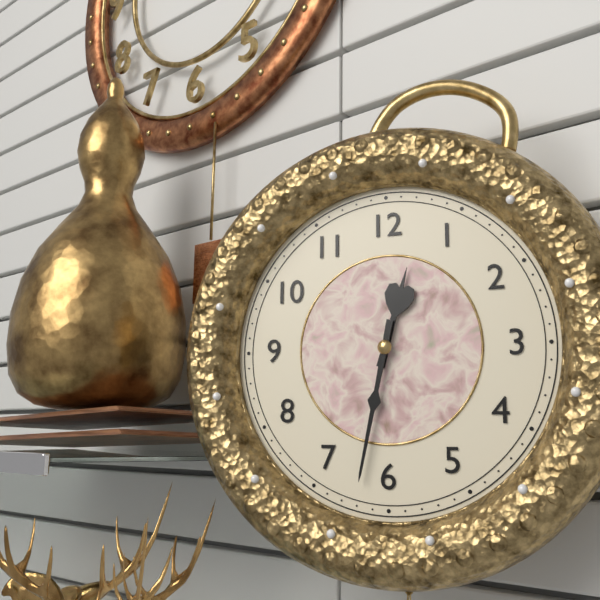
12:32
